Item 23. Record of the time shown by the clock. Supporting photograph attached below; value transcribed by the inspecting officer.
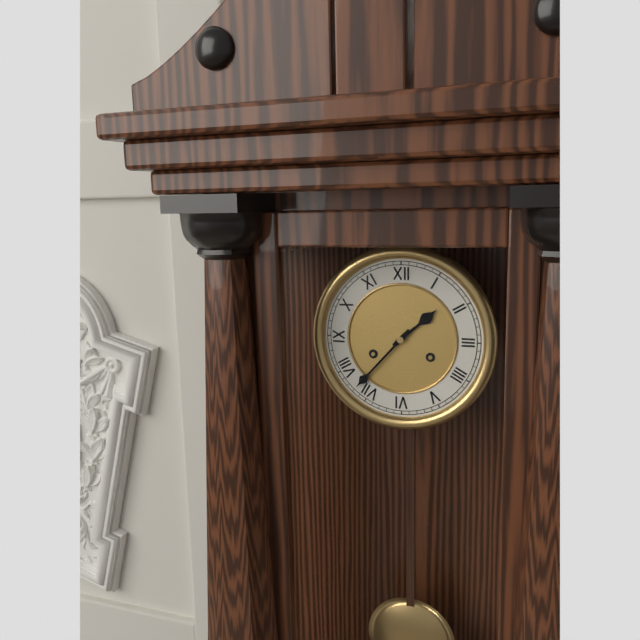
1:37
